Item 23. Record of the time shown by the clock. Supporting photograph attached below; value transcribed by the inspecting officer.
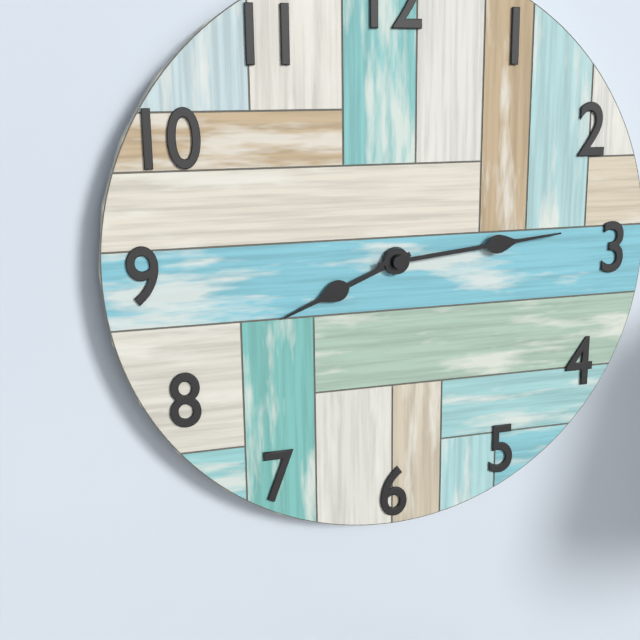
8:14
